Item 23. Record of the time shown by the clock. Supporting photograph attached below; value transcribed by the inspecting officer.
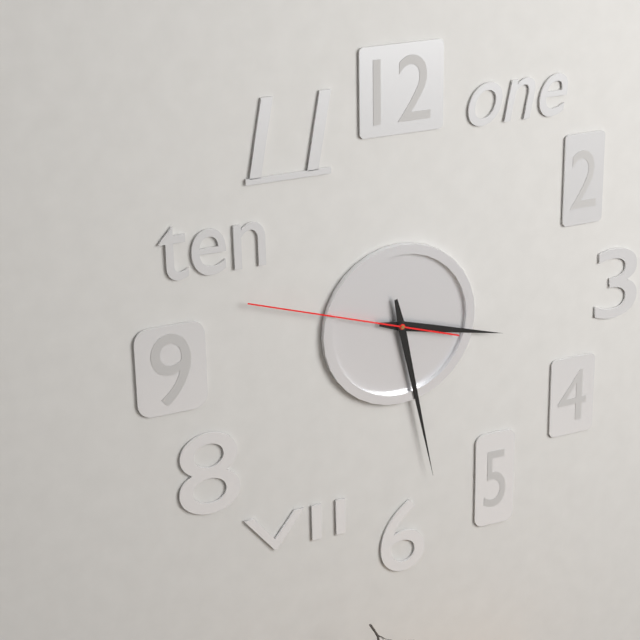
3:28:48
